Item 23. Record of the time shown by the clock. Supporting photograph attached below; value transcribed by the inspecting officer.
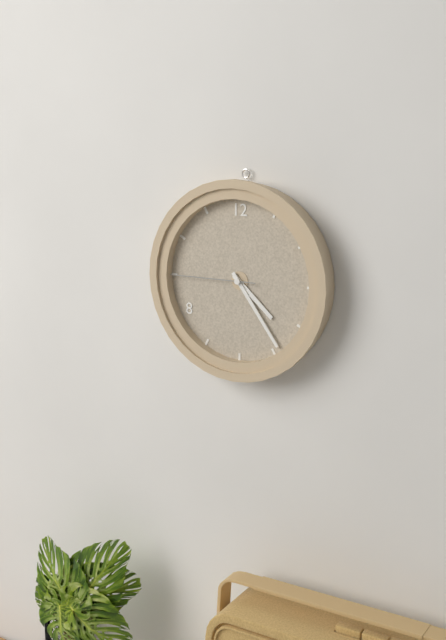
4:24:45
